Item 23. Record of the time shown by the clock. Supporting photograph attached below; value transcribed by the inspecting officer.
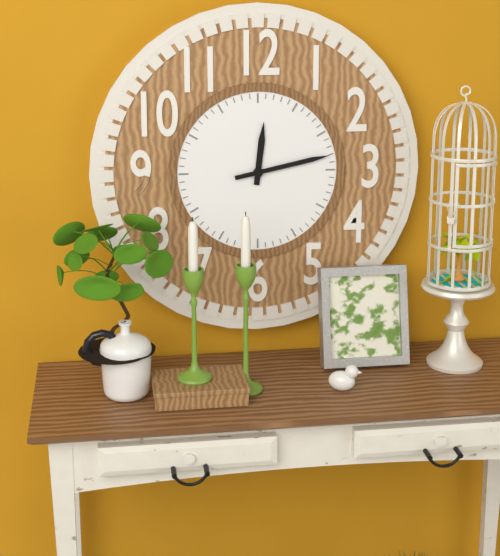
12:13
